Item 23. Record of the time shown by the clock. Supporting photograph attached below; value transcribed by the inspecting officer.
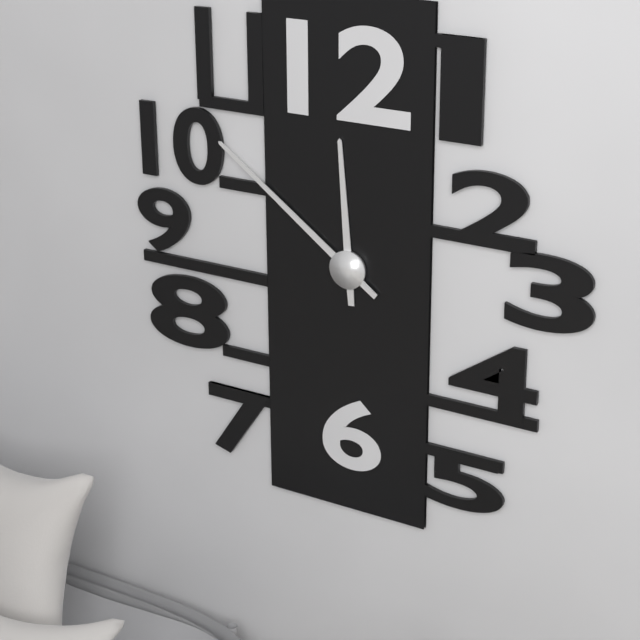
11:51
